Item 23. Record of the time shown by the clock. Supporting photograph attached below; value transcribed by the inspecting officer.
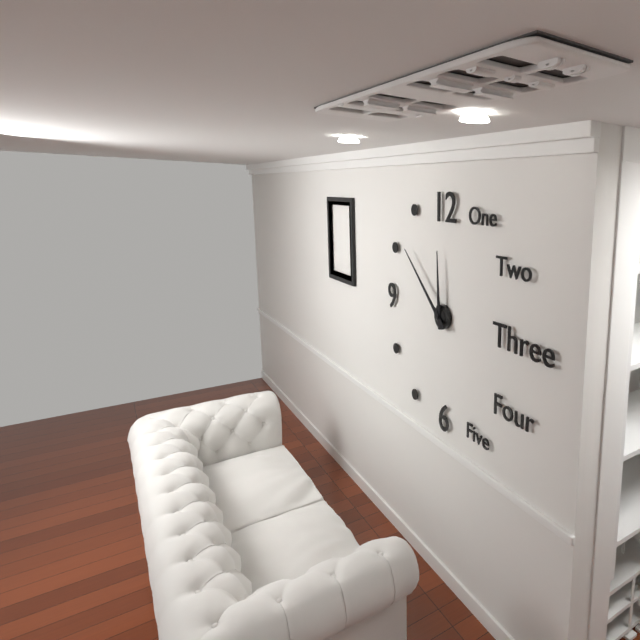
11:52
